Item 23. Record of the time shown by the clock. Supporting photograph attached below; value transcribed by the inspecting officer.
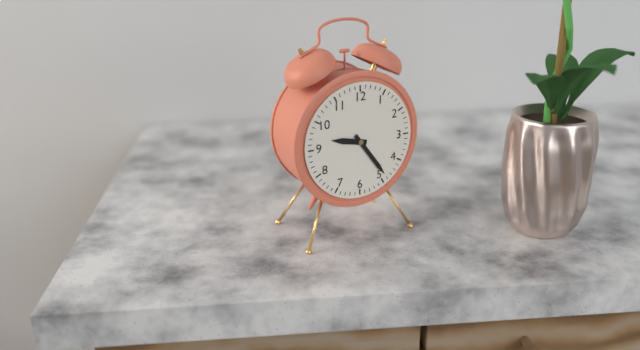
9:24
